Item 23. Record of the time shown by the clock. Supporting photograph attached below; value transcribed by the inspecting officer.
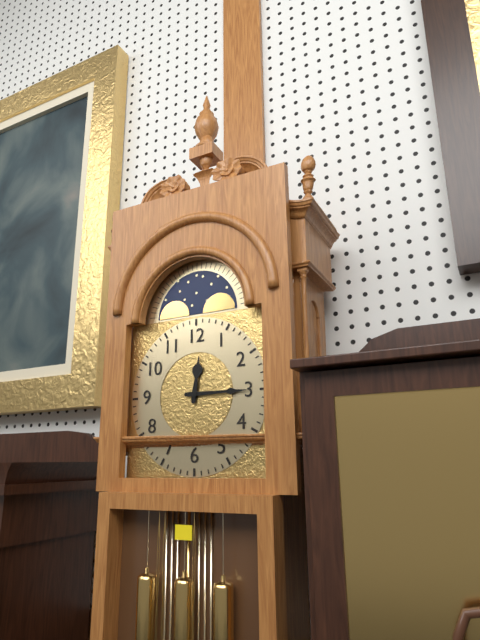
12:15
